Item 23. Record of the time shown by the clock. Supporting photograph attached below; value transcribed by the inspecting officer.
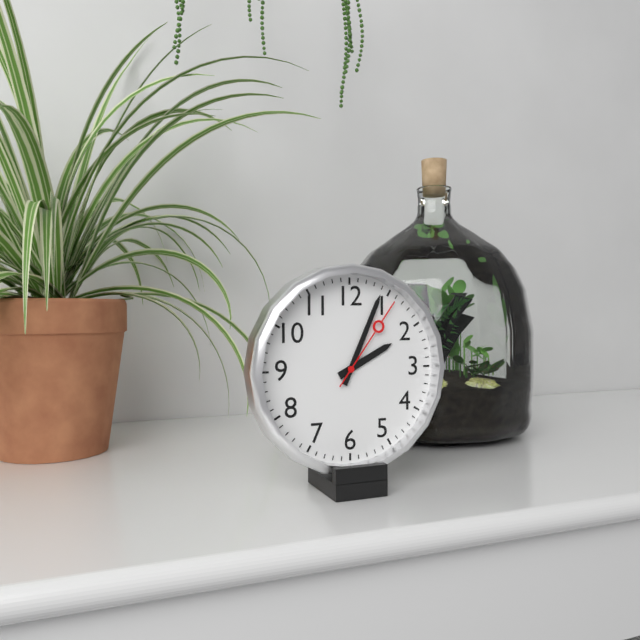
2:04:06
